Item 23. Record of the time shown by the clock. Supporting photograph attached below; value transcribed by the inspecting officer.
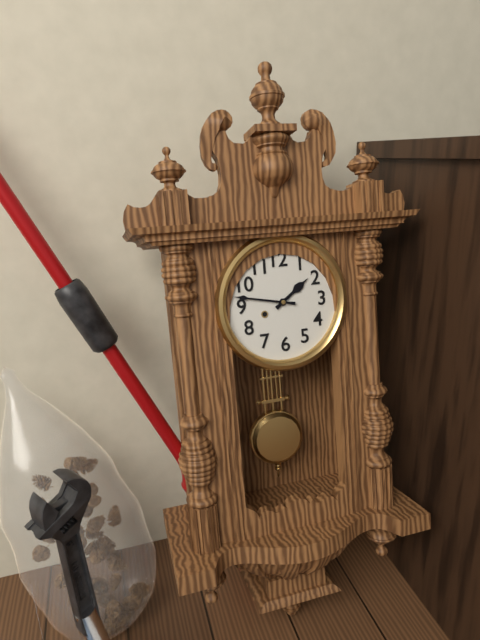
1:47
